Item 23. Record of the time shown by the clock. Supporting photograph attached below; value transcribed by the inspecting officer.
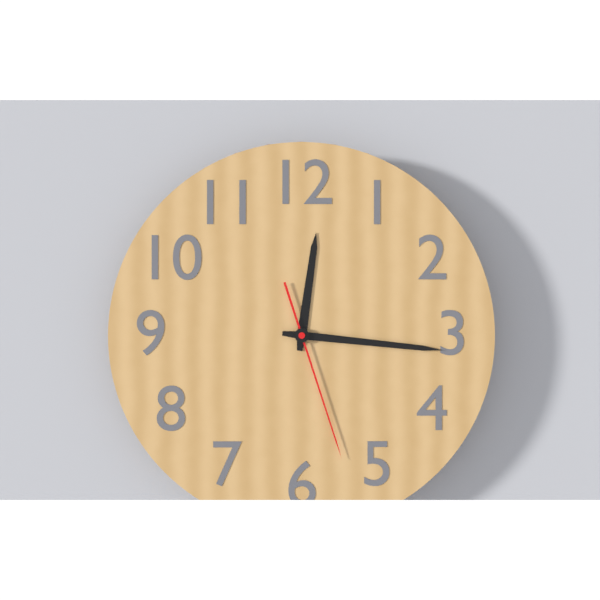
12:16:27
